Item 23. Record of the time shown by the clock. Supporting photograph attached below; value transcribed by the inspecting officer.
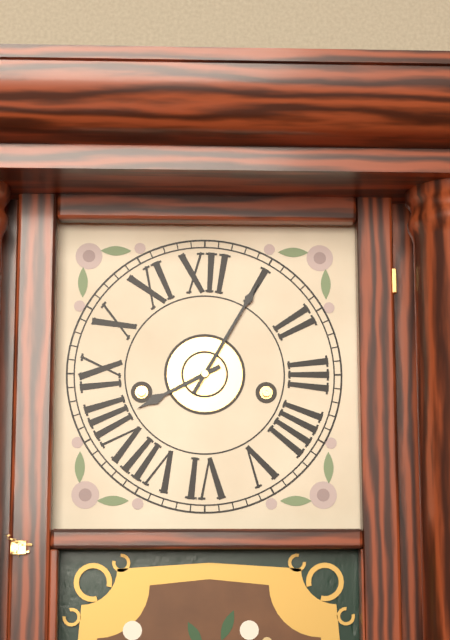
8:05
